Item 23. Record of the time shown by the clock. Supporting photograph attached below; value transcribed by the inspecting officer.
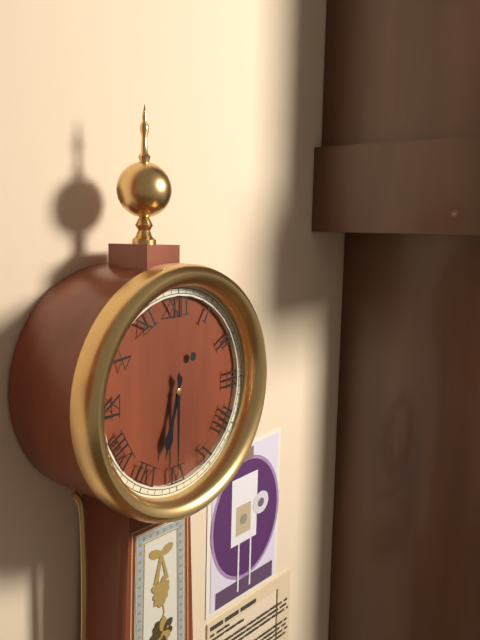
6:30
